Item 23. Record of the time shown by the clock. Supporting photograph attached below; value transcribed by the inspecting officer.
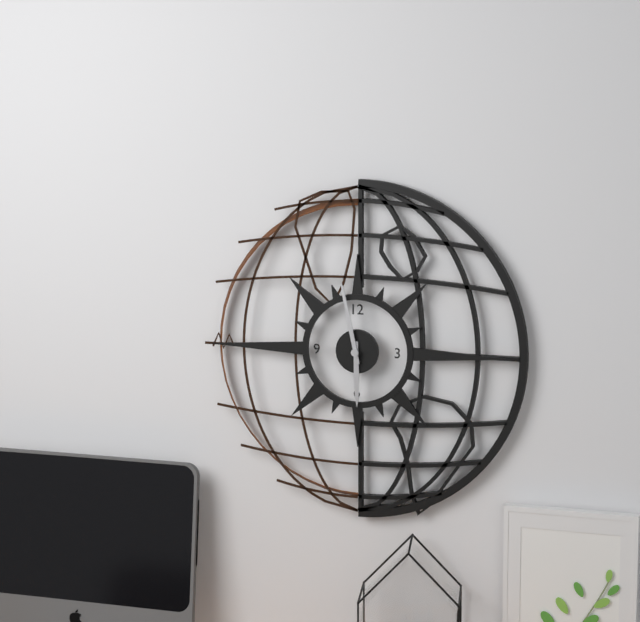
5:58
